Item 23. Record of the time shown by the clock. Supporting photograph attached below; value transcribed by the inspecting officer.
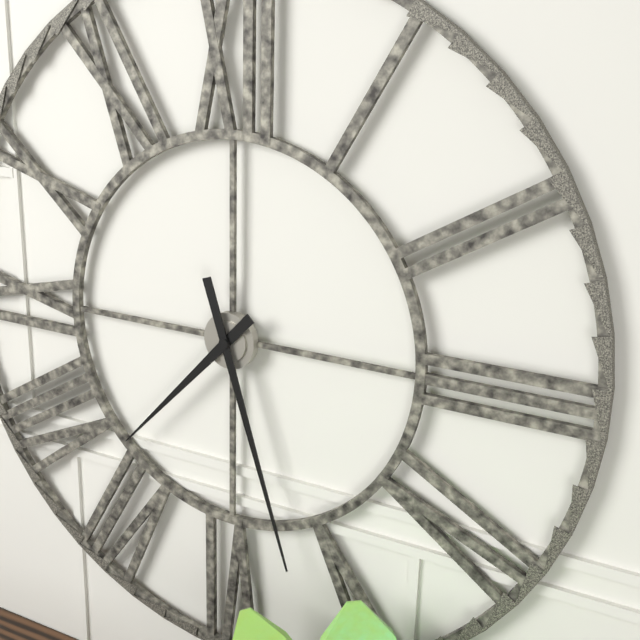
7:27
